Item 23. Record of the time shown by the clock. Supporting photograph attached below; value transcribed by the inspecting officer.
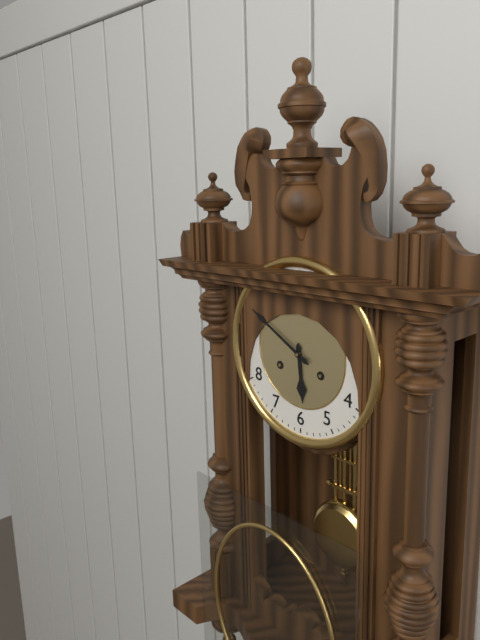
5:50
